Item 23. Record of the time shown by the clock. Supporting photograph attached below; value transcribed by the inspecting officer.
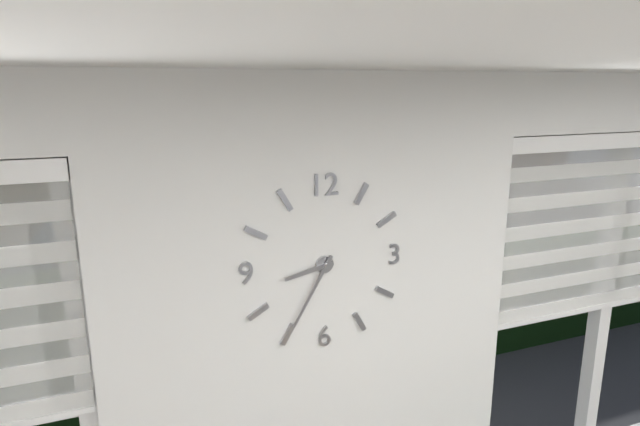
8:35
